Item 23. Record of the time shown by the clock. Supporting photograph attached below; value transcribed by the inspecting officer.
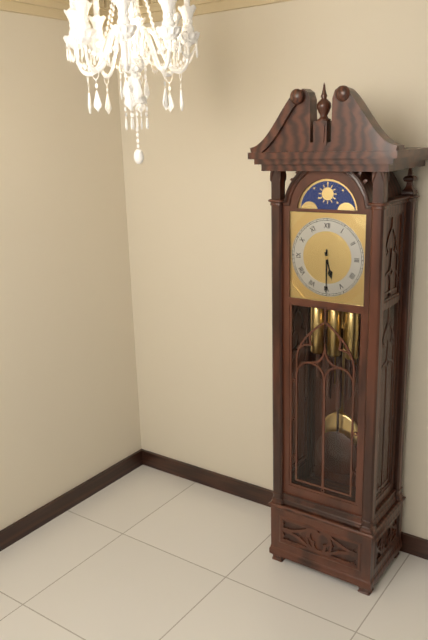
5:30
